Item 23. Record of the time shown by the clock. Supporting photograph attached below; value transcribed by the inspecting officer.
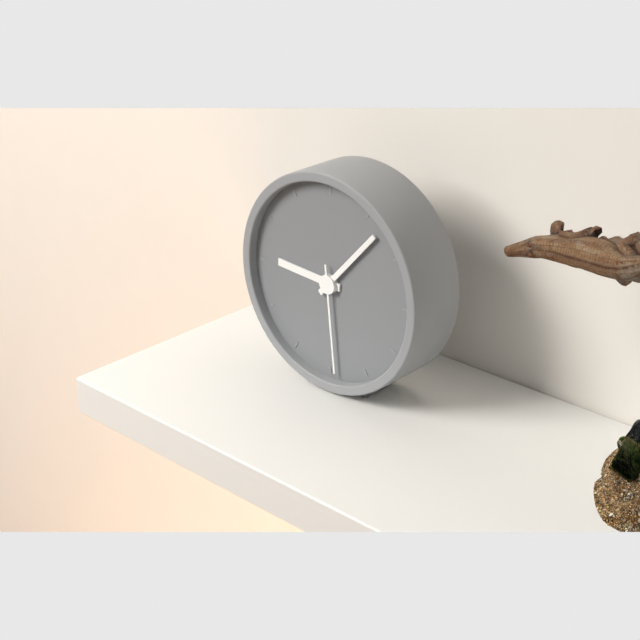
9:07:29
